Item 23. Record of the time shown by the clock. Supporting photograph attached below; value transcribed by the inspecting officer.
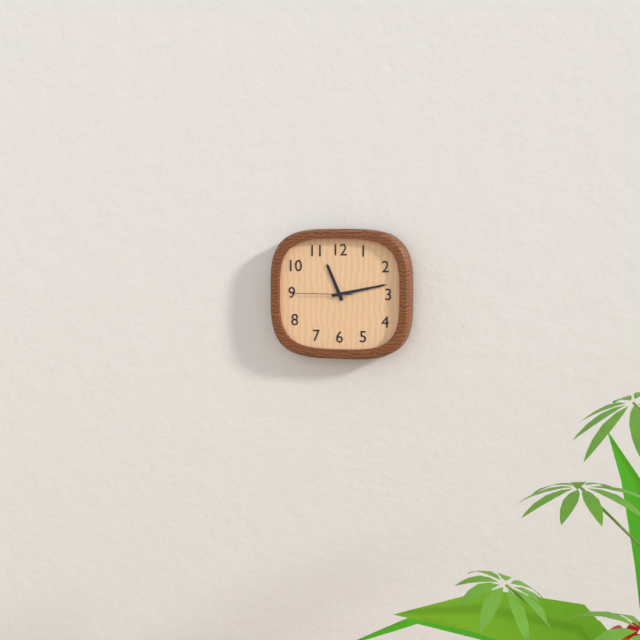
11:13:45
